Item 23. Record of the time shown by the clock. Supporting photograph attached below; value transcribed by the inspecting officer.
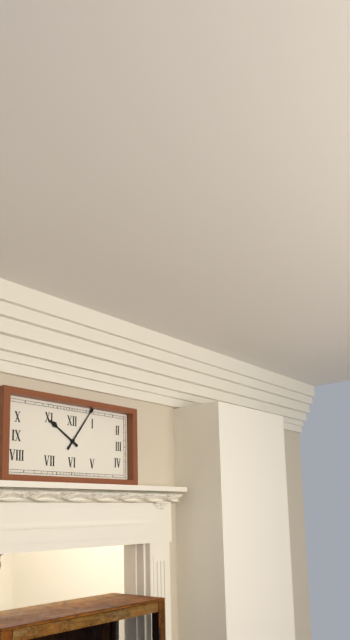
10:06
